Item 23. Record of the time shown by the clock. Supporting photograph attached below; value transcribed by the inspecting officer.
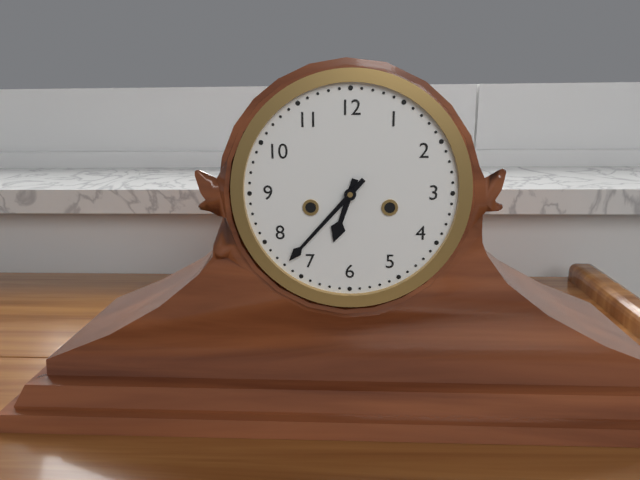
6:37
